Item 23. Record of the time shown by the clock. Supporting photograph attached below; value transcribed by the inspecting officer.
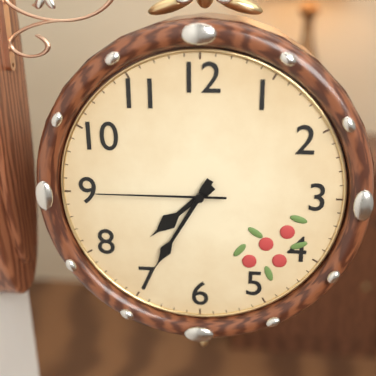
7:35:45
